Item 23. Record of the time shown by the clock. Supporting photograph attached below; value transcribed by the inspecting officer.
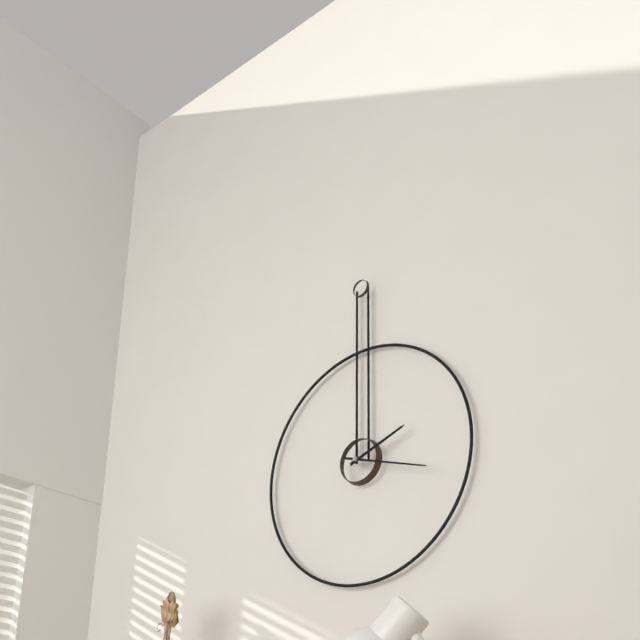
2:18
